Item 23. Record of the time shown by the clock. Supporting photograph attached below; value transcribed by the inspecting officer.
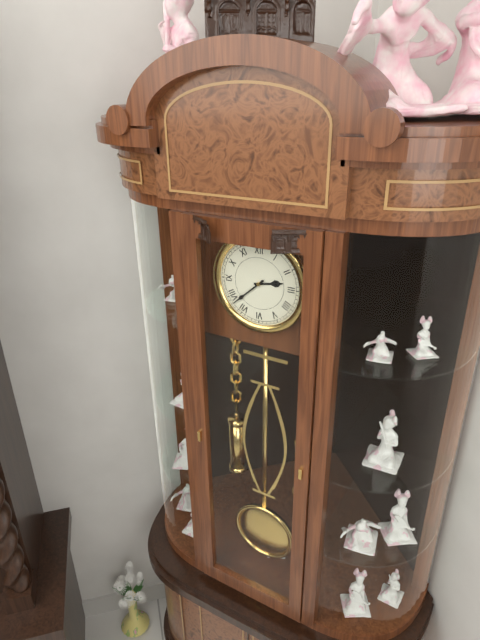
2:38
